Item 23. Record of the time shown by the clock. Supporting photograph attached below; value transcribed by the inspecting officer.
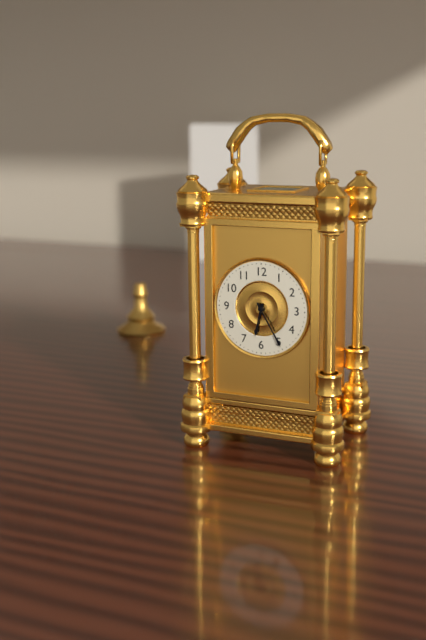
6:25
